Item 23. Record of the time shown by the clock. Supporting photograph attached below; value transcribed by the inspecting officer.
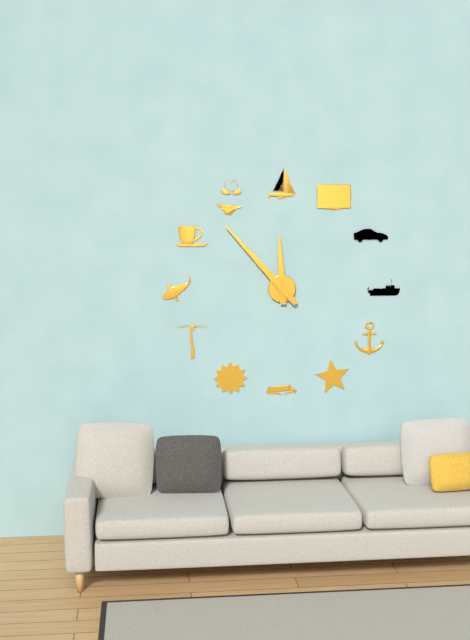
11:53
